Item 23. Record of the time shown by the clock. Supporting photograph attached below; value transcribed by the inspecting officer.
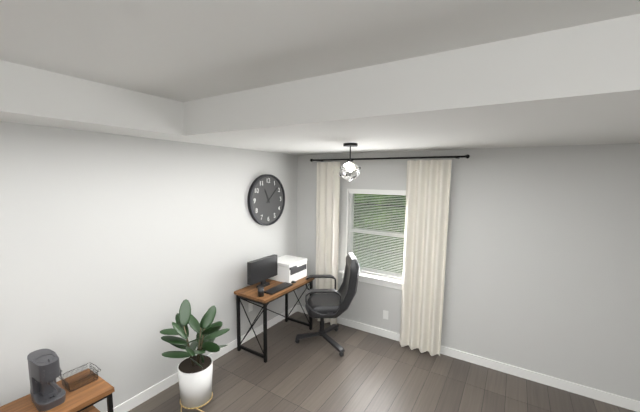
11:08
